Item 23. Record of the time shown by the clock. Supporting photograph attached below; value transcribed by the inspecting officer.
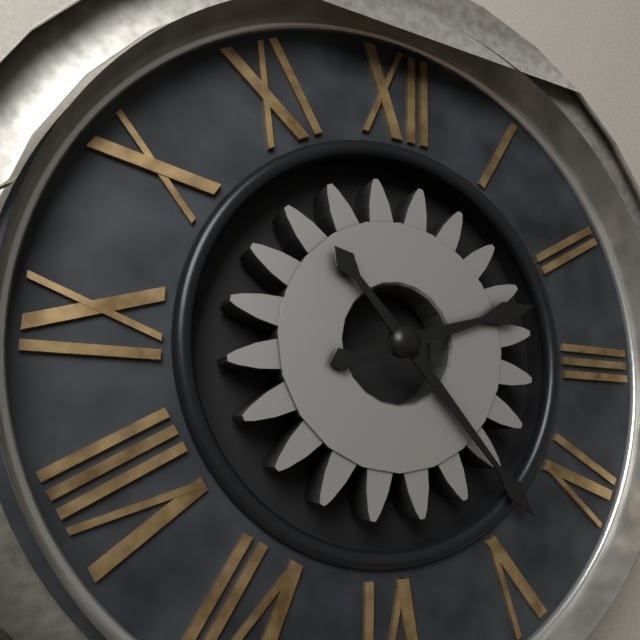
2:23
